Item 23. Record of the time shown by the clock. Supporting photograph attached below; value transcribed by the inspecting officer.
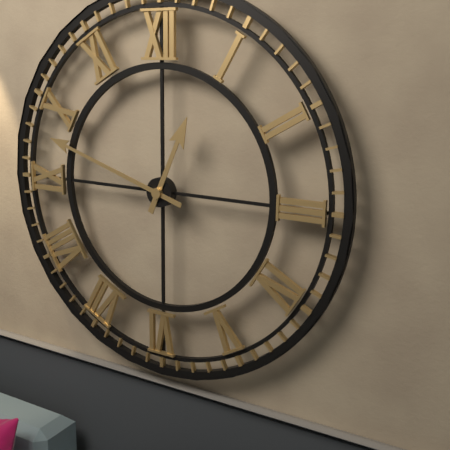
12:48
